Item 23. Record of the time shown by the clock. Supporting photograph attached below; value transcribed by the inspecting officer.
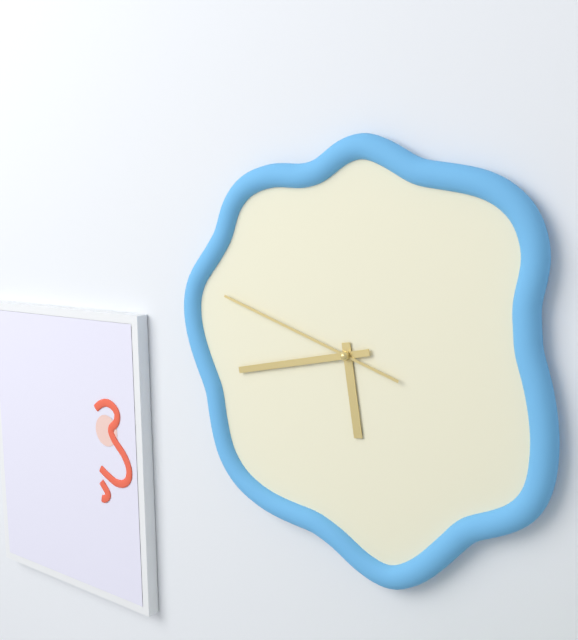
5:43:48
